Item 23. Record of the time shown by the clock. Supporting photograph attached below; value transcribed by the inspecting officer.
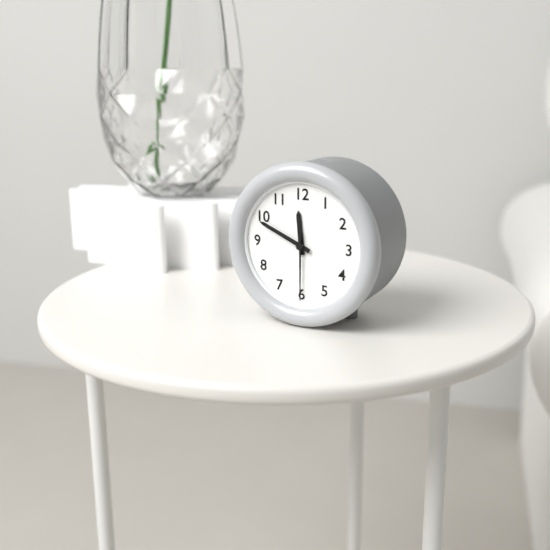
11:49:30
